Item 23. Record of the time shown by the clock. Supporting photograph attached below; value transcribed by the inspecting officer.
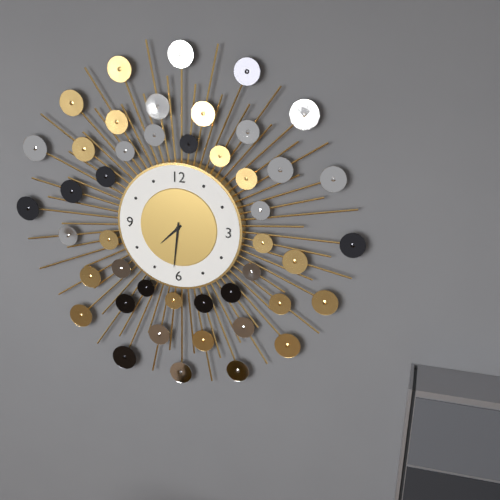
7:31
